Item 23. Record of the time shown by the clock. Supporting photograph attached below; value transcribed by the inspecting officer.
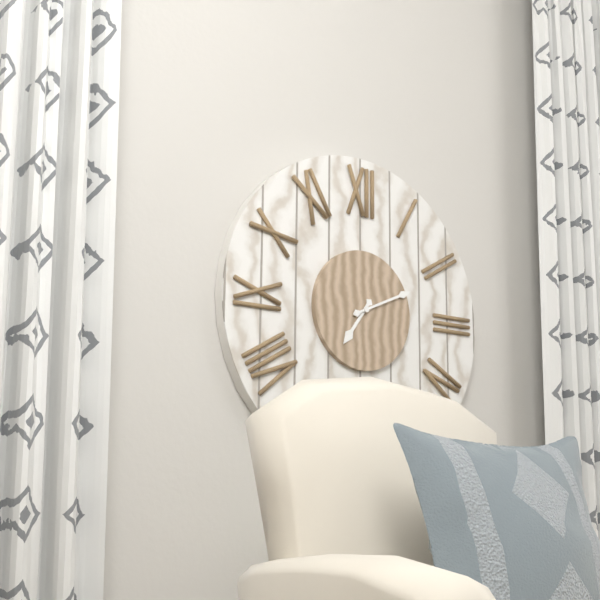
7:11
